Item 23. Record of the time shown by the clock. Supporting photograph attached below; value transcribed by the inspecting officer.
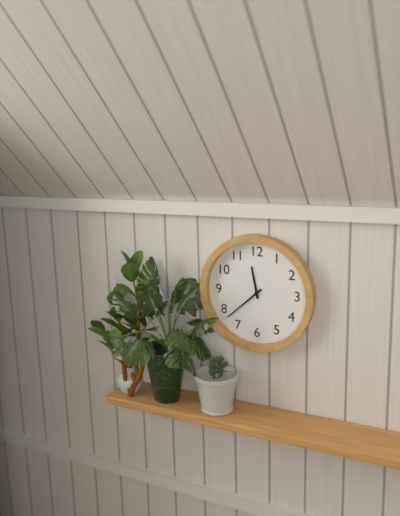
11:38
